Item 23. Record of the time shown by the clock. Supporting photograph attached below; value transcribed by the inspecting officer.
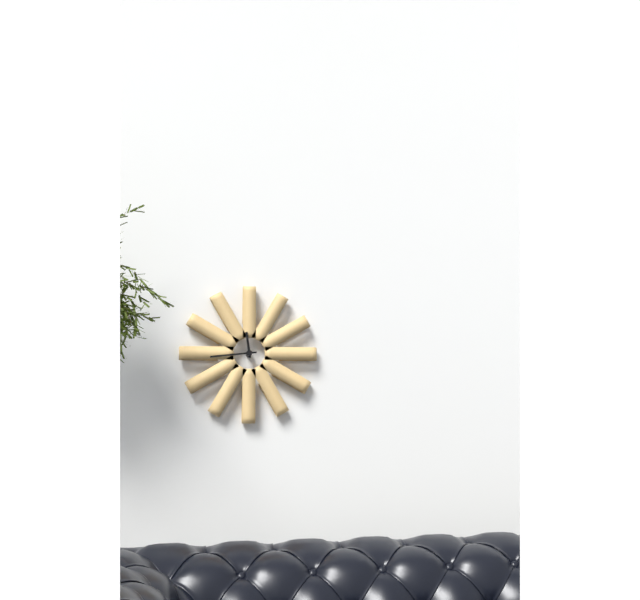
11:44
